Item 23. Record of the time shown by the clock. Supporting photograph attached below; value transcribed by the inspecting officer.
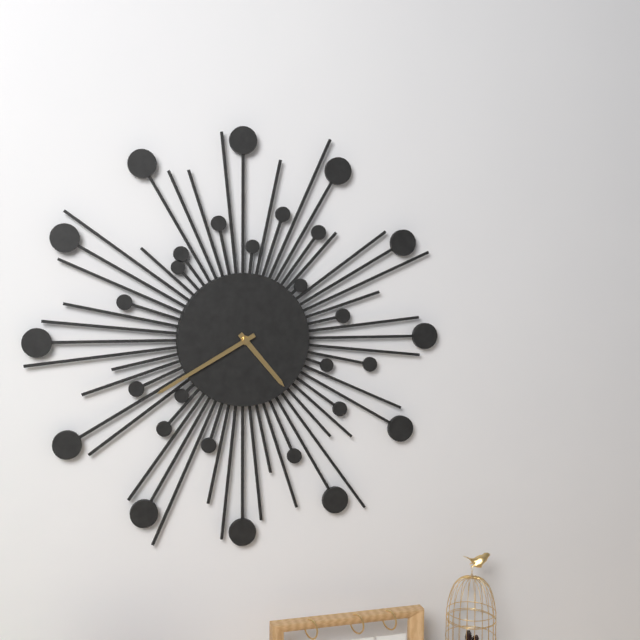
4:40
